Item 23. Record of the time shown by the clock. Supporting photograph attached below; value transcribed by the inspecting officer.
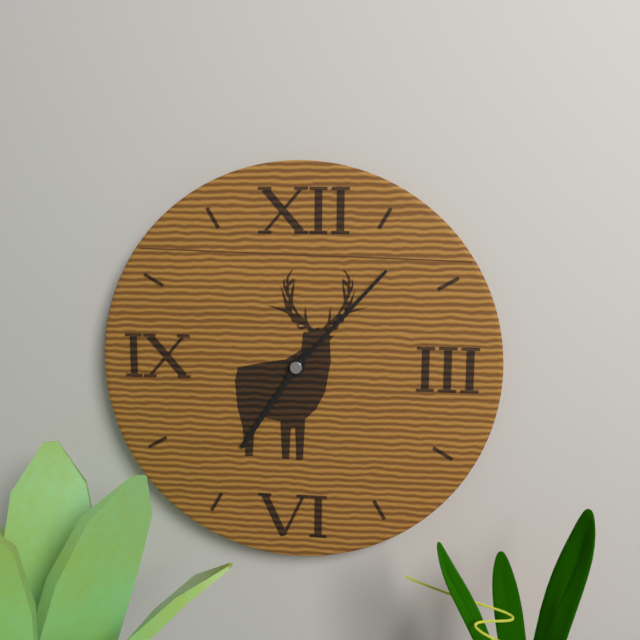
7:07
